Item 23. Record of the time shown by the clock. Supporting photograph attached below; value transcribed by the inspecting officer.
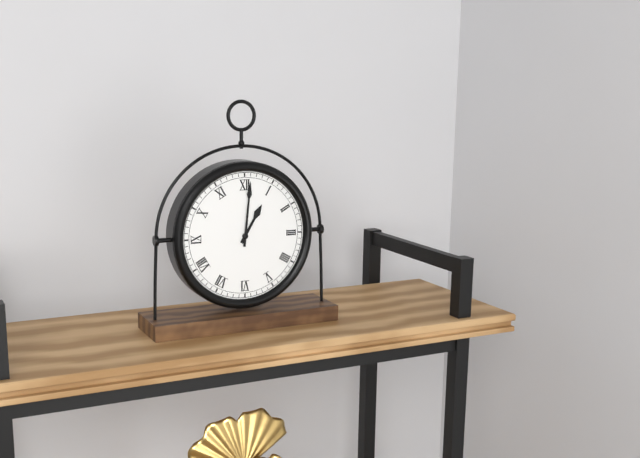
1:01
